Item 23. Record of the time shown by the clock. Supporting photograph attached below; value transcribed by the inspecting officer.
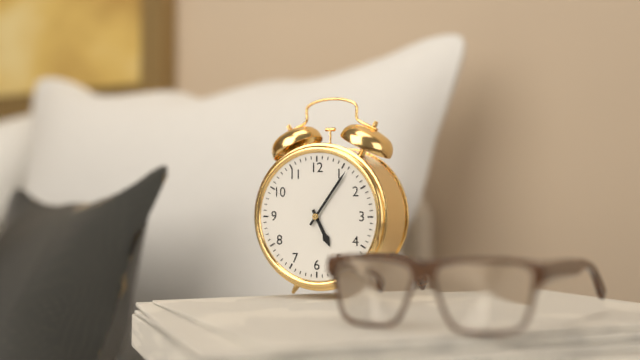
5:06
